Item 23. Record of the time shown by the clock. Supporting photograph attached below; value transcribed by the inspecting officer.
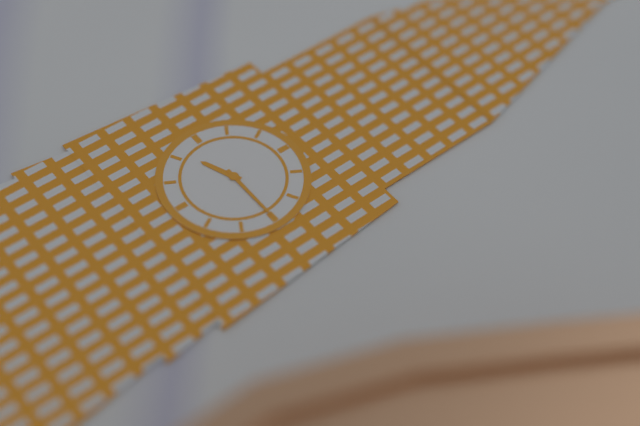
8:15
